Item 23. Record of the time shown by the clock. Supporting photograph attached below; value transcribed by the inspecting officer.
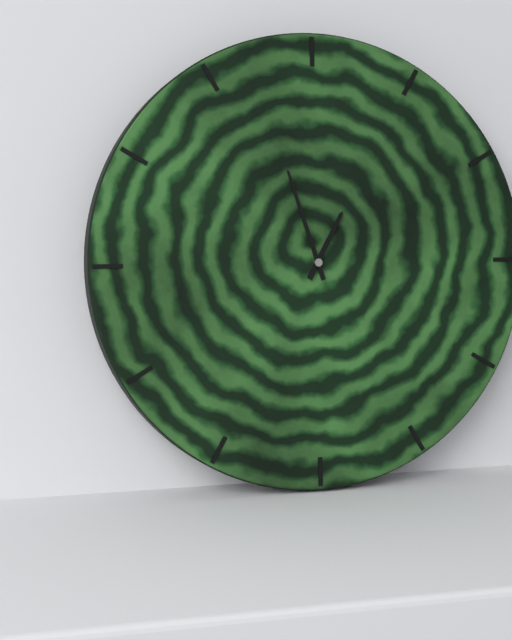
12:57
